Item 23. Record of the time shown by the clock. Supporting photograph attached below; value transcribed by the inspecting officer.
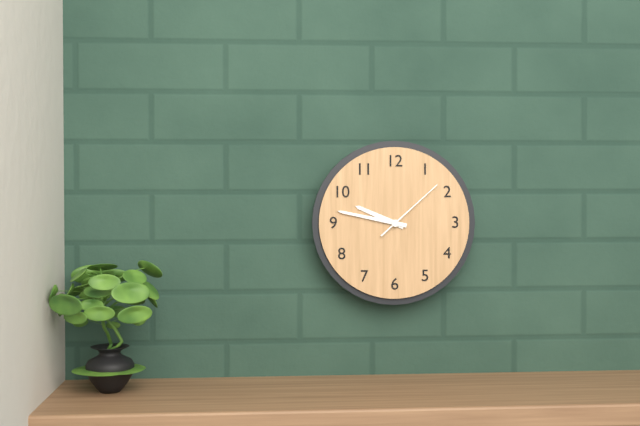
9:47:08
